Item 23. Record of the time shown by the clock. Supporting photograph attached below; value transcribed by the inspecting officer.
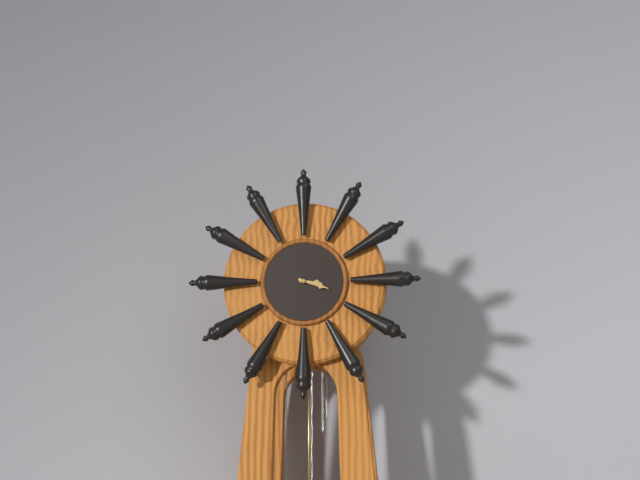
3:18
